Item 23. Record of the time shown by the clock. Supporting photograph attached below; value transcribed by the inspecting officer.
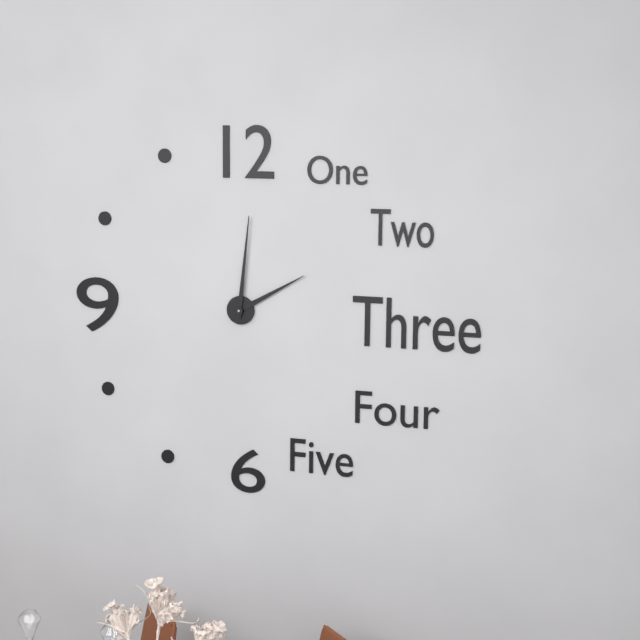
2:01
